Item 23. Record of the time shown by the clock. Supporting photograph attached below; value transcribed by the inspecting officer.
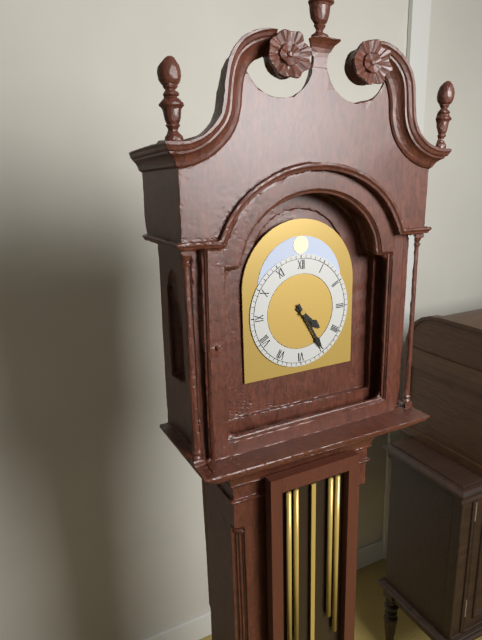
4:25
